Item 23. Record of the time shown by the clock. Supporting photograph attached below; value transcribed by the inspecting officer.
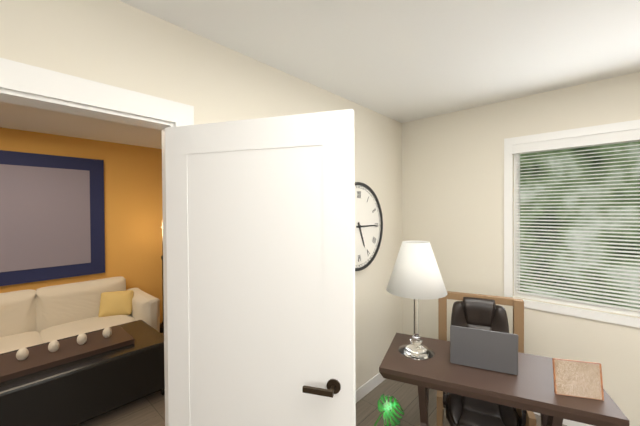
5:15
